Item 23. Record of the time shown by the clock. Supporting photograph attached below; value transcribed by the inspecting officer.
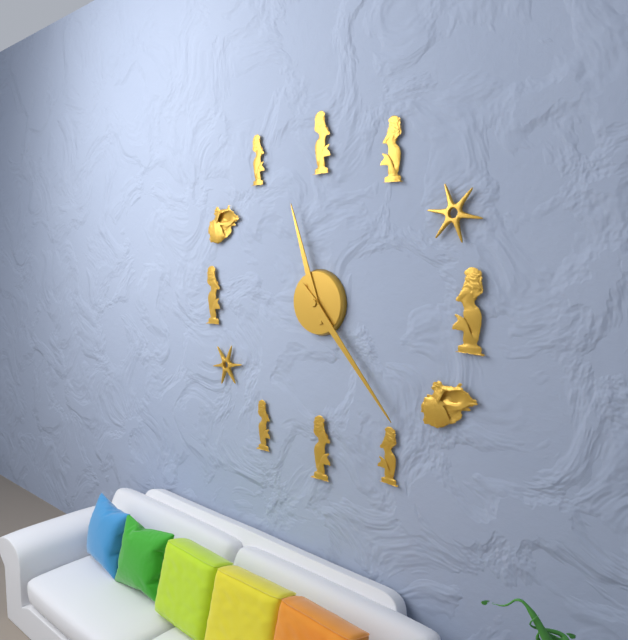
11:23
